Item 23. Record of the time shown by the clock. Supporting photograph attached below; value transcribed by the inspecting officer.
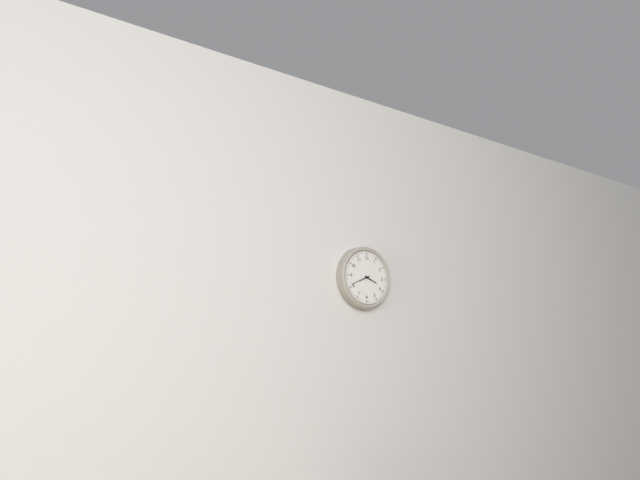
3:41
